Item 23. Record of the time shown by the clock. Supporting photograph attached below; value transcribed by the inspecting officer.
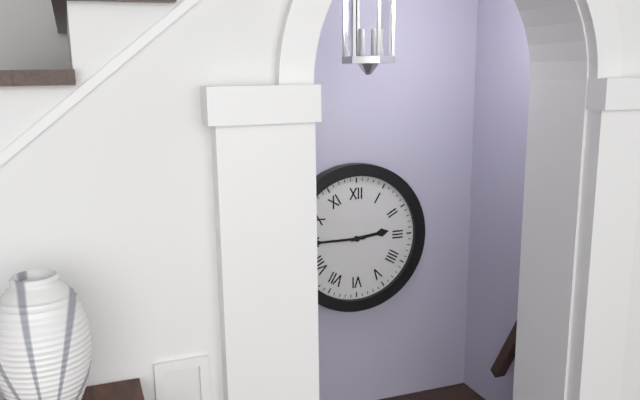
2:45
